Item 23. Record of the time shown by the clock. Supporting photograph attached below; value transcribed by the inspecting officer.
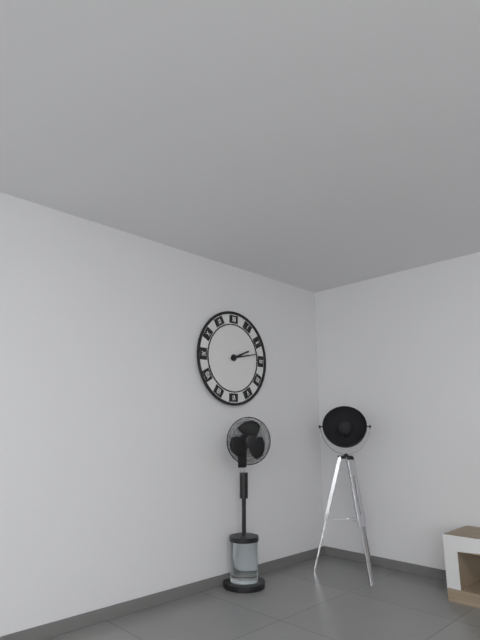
2:13
